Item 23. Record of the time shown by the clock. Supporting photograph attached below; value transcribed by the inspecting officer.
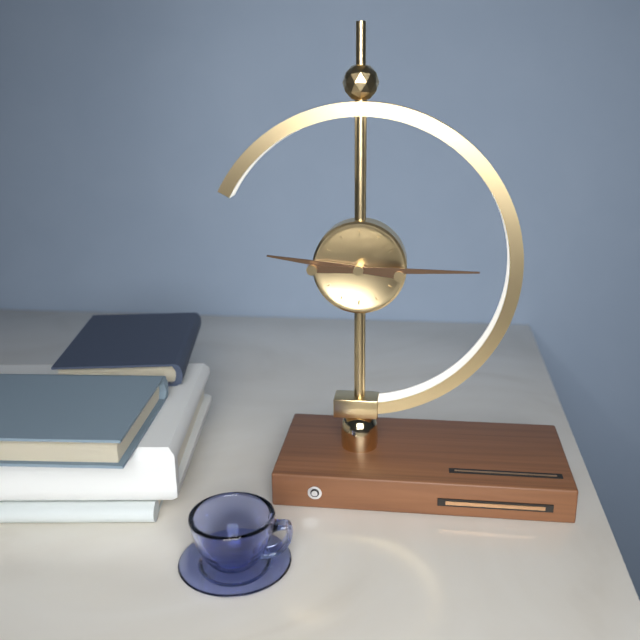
9:15
